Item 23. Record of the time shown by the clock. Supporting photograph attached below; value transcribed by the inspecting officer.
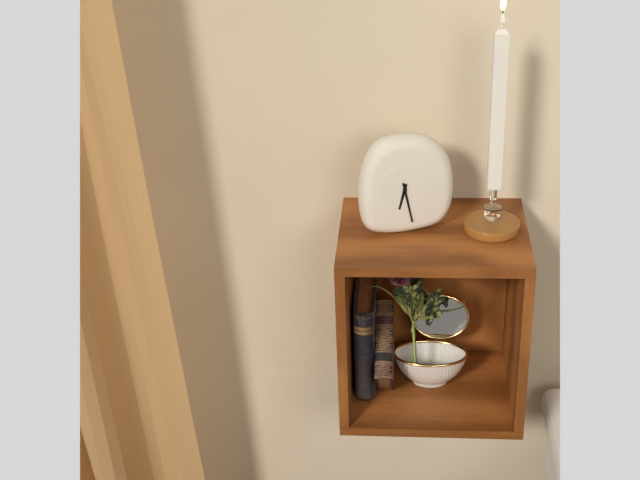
6:28
